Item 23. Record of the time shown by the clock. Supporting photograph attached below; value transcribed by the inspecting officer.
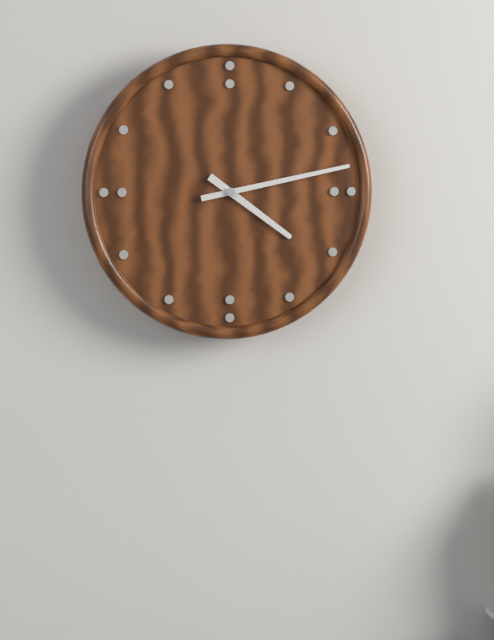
4:13
